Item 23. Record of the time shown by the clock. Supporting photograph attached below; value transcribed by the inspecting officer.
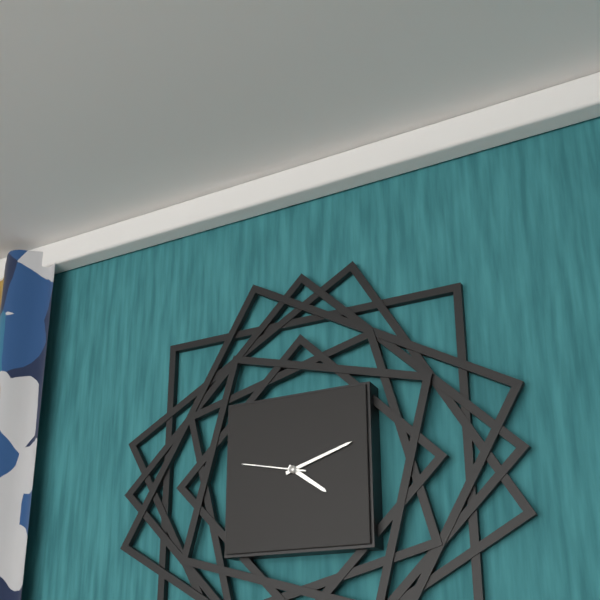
4:12:47
